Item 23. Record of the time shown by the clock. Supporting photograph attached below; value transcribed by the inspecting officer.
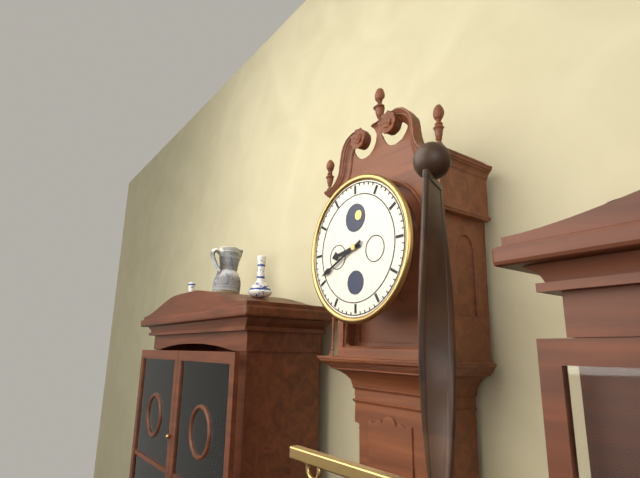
8:41
